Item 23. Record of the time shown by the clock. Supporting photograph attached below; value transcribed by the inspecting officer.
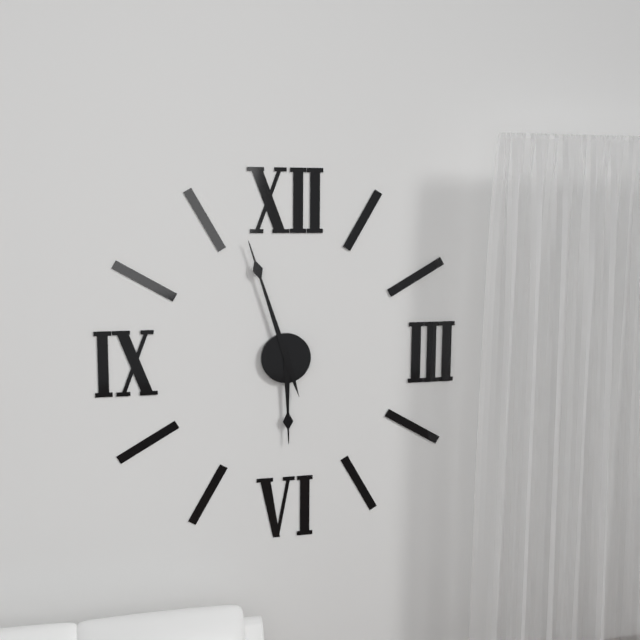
5:57
